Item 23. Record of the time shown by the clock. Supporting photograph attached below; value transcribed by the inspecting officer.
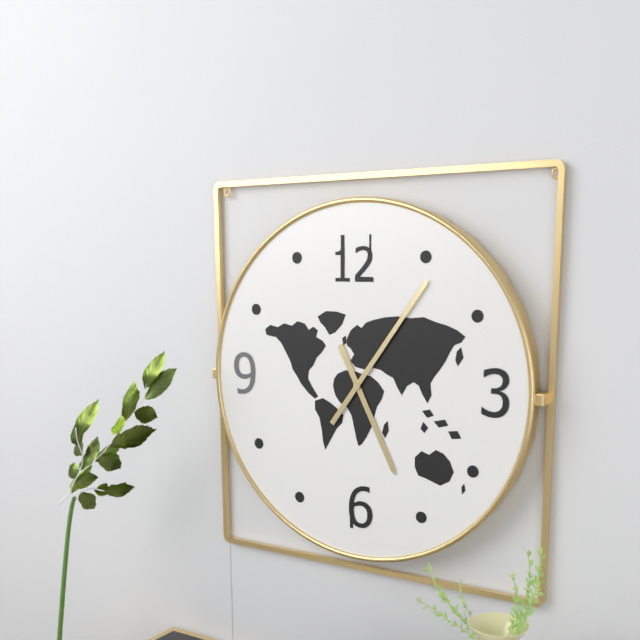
5:06
